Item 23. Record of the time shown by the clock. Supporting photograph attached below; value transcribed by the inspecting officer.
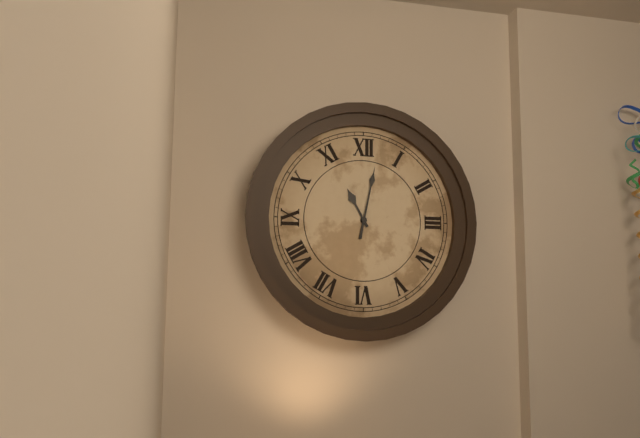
11:02
